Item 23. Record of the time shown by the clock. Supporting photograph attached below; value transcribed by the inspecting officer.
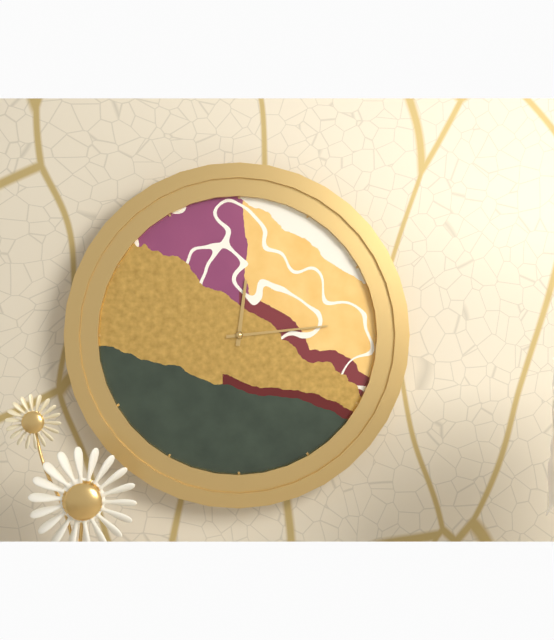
12:14
